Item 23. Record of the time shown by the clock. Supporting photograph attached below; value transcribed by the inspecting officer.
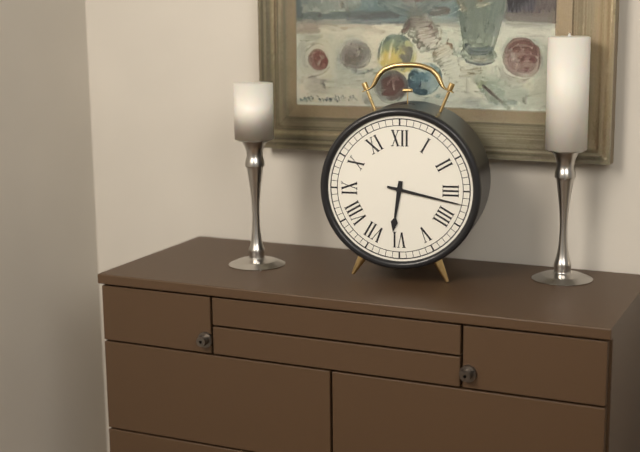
6:17
